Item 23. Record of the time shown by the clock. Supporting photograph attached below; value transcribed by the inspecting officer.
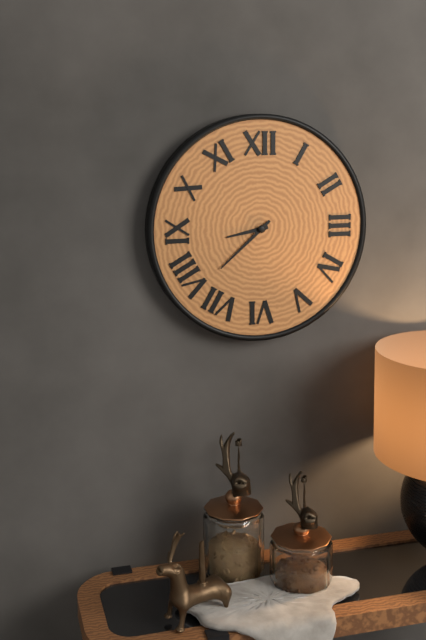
8:38
